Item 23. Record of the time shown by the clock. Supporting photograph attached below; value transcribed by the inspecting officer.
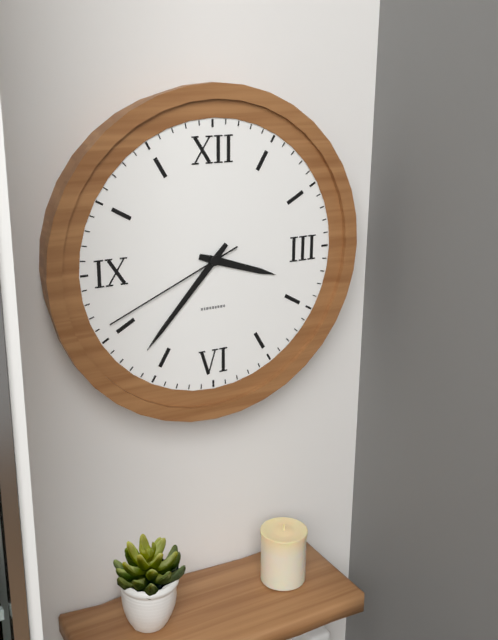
3:37:41
